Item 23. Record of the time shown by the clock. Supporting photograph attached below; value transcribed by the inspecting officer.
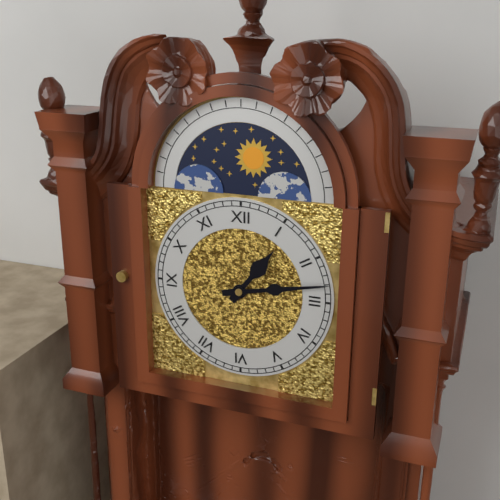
1:13
